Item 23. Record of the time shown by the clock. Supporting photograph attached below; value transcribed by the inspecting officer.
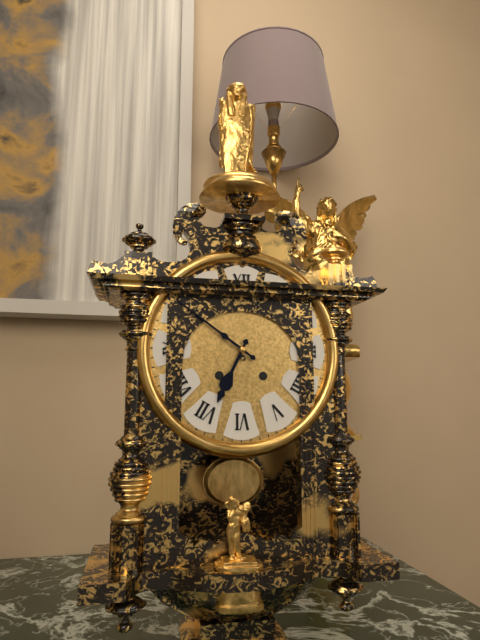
6:51
